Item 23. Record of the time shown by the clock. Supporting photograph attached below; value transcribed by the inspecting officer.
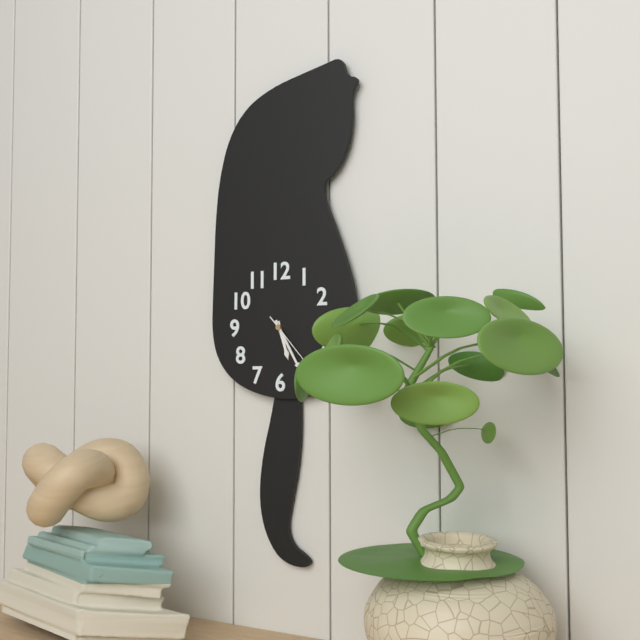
5:25:23
